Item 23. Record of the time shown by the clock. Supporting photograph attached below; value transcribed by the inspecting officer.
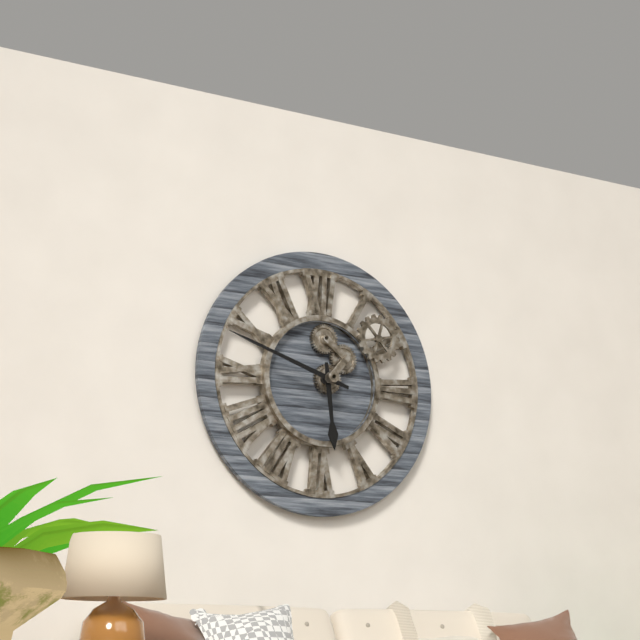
5:48
